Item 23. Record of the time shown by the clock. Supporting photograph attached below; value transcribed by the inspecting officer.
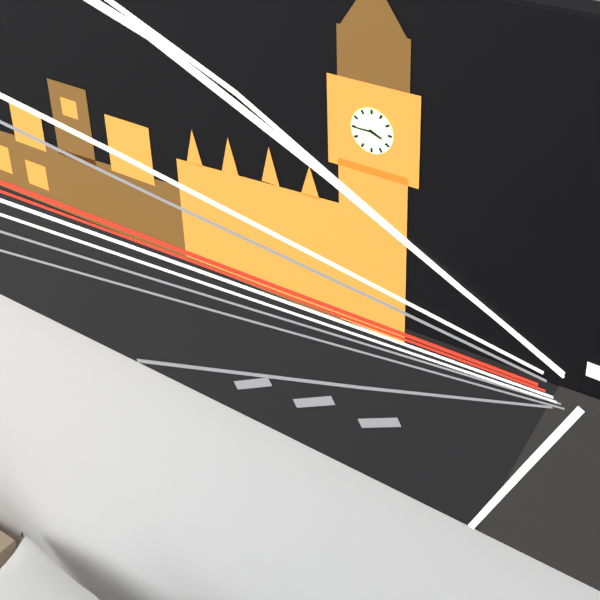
3:45
